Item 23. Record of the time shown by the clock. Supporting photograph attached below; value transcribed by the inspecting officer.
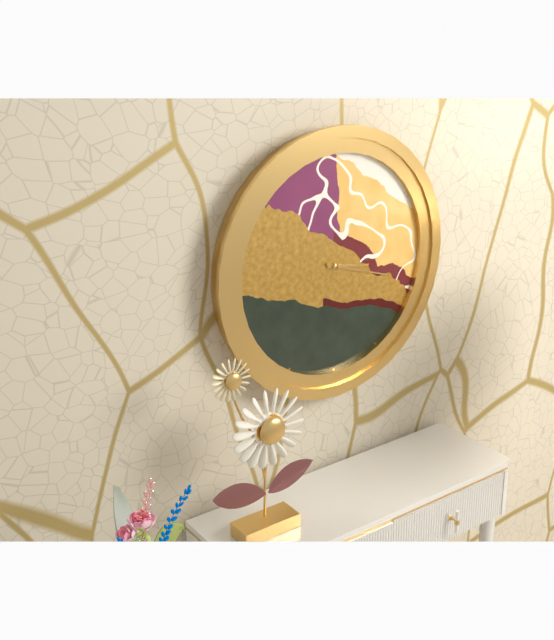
3:18
